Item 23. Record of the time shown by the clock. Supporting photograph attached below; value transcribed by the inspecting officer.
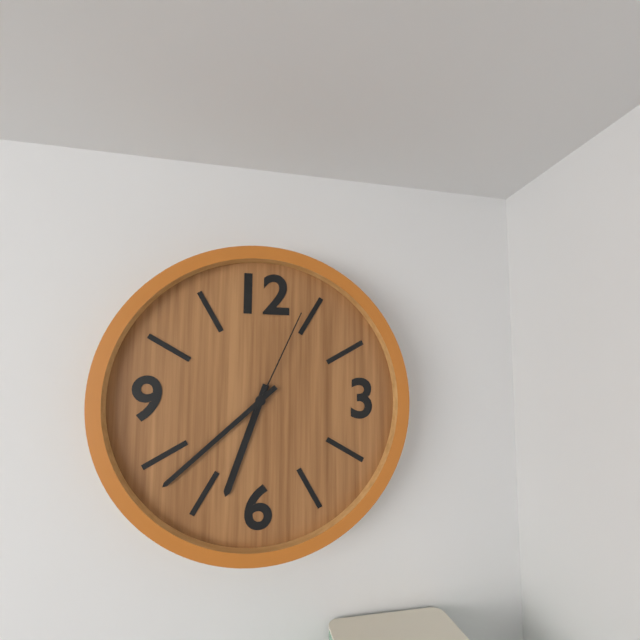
6:38:04
